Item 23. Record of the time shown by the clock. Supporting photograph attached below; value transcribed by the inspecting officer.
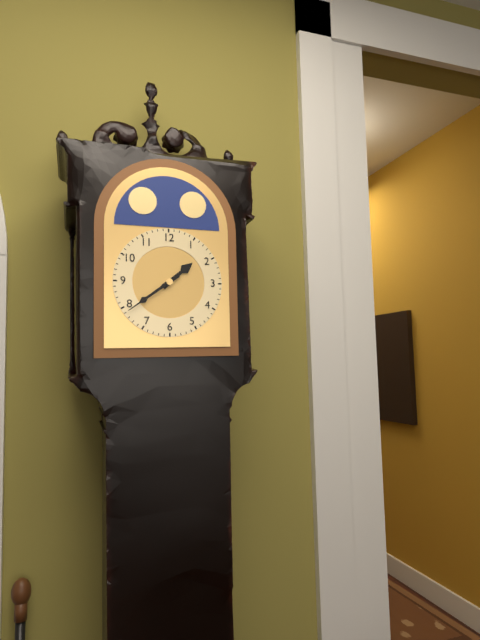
1:39
